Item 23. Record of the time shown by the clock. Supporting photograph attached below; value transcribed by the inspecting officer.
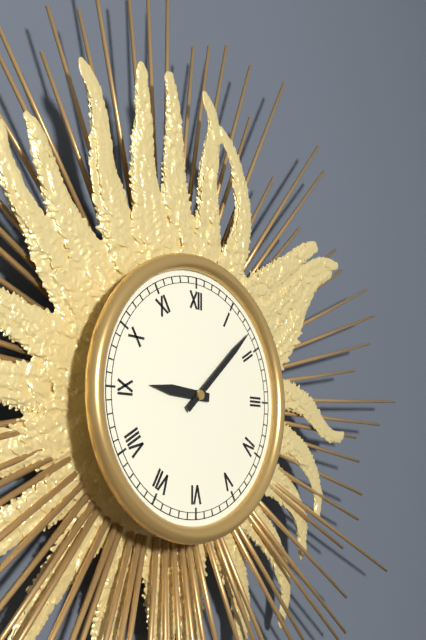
9:08
